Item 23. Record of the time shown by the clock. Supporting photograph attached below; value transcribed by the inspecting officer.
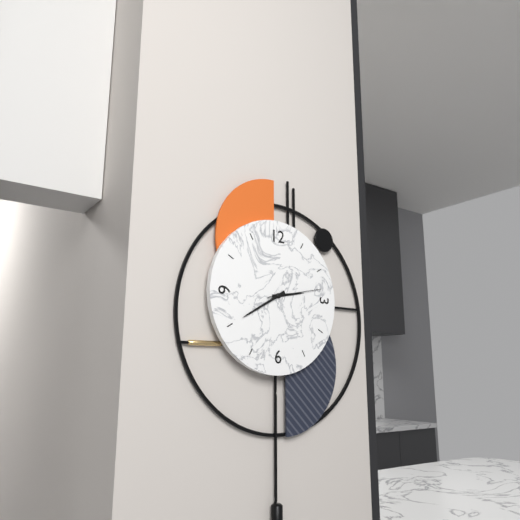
2:40:13
